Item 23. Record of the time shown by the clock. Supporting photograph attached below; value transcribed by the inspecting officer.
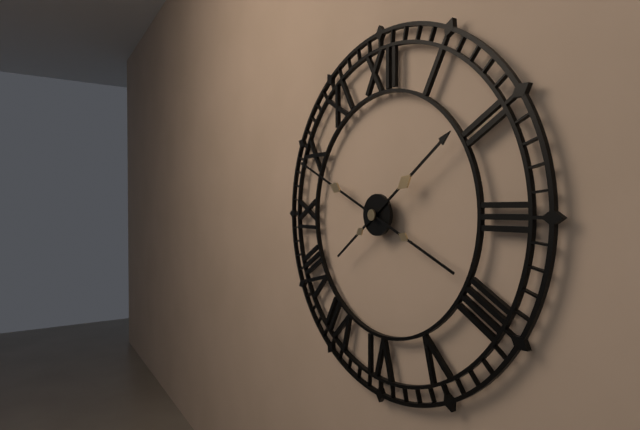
1:49
